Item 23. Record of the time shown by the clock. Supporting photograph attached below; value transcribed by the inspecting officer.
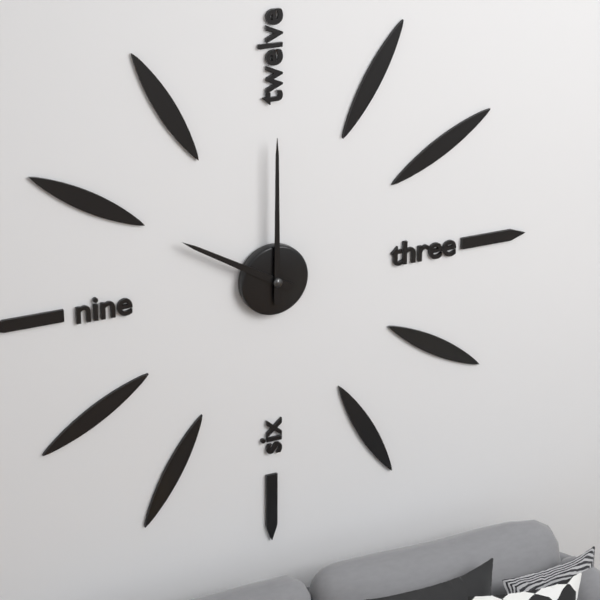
10:00
